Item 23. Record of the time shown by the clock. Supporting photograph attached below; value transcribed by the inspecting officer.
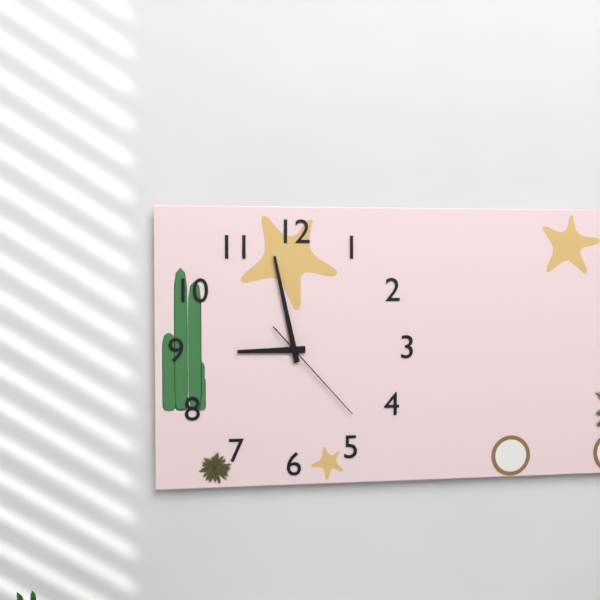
8:58:23
